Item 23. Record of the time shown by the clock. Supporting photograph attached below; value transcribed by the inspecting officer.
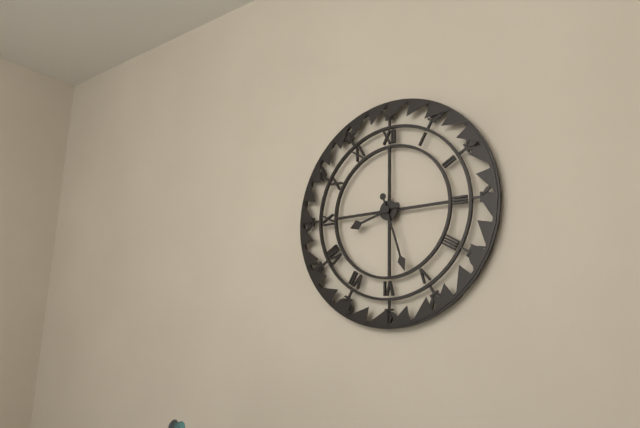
8:27
